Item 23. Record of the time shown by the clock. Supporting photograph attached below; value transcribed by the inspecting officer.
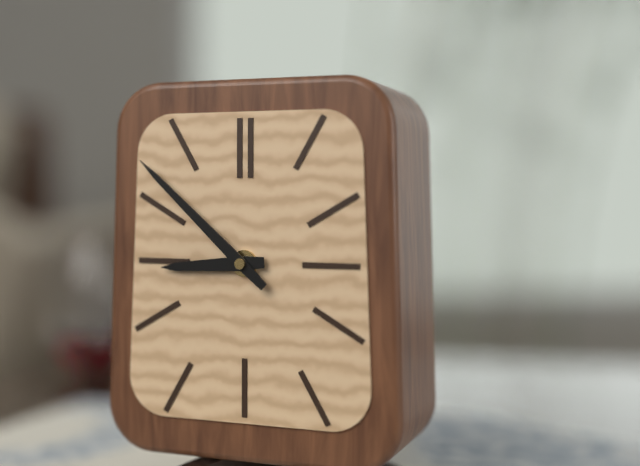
8:52
